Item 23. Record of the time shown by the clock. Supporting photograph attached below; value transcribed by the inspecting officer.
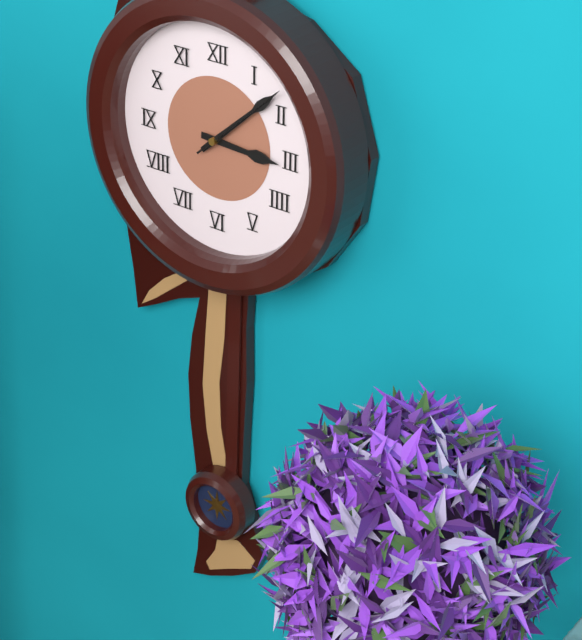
3:08:08
